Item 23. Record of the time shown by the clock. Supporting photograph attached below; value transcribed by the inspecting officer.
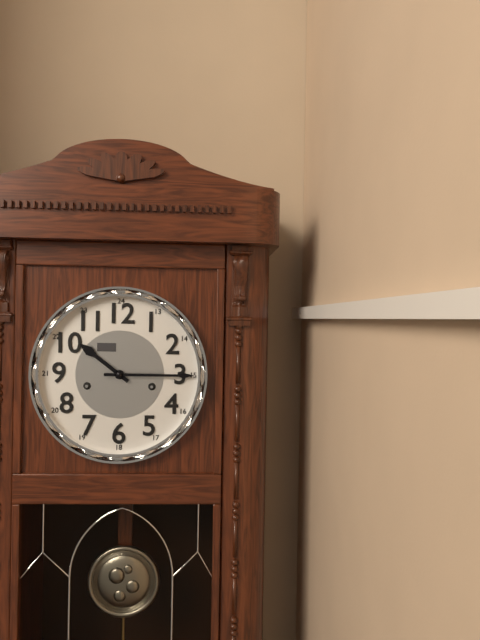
10:15
